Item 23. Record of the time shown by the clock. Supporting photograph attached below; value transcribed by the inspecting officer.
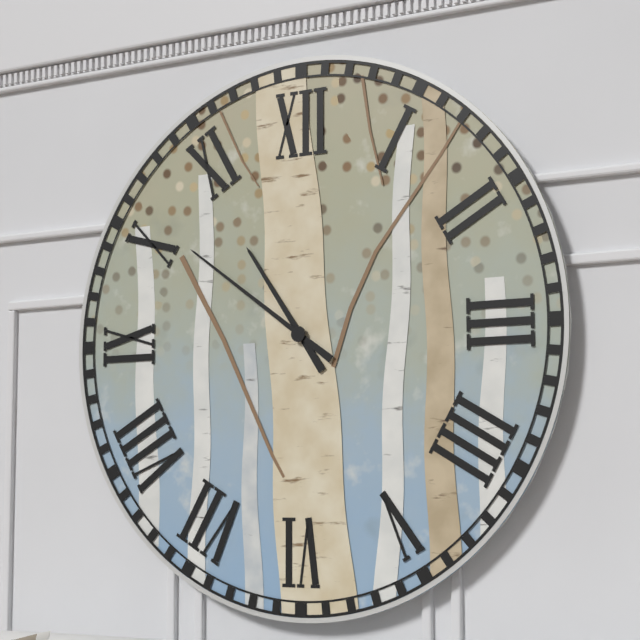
10:51
